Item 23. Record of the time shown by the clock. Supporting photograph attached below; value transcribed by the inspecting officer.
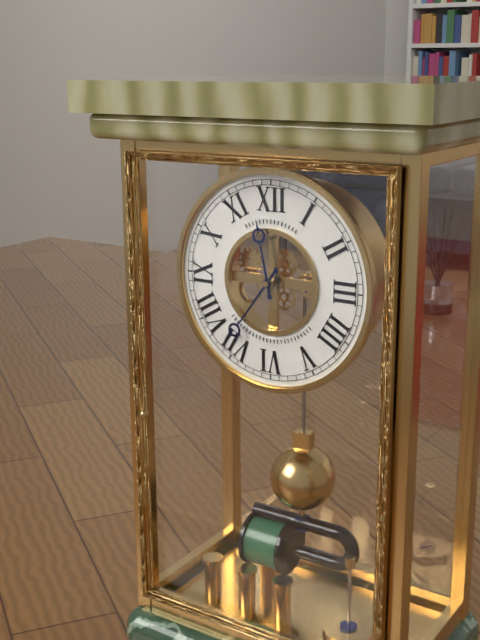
11:36
